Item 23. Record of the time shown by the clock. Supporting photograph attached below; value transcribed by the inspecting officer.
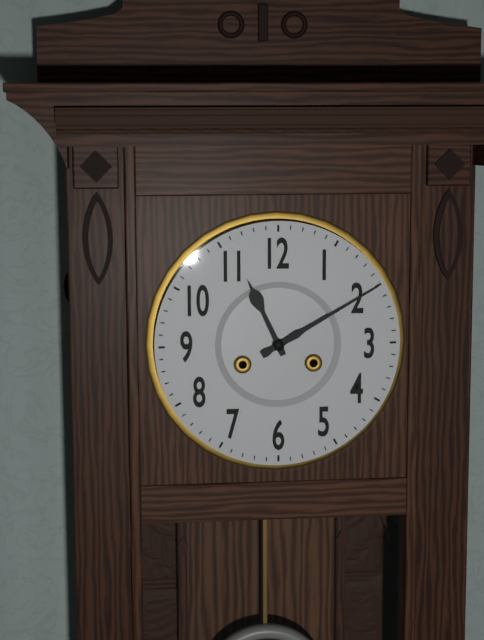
11:10
